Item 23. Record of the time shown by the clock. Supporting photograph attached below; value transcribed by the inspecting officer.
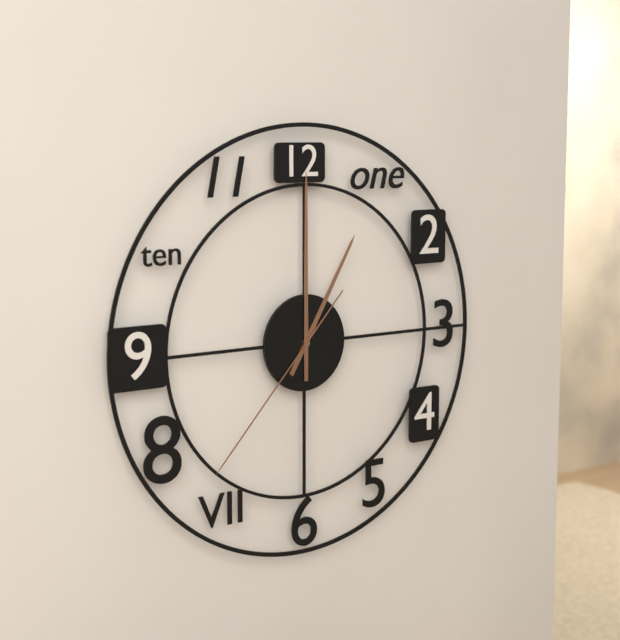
1:00:37
